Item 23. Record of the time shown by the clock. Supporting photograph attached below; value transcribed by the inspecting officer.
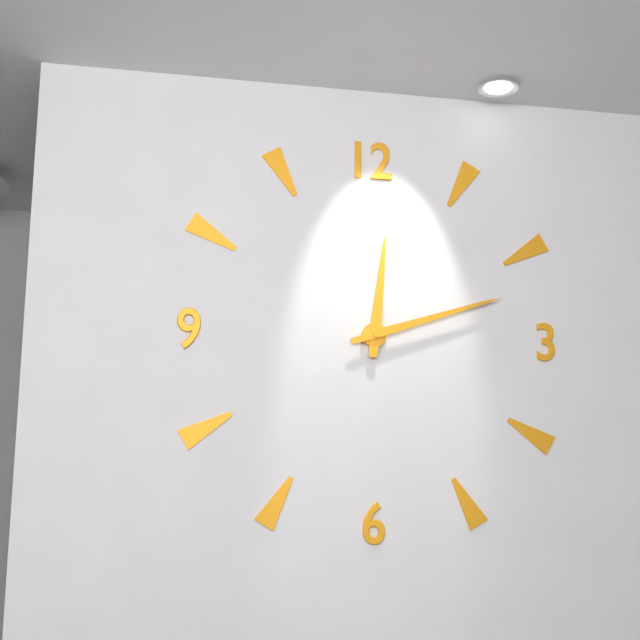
12:12
